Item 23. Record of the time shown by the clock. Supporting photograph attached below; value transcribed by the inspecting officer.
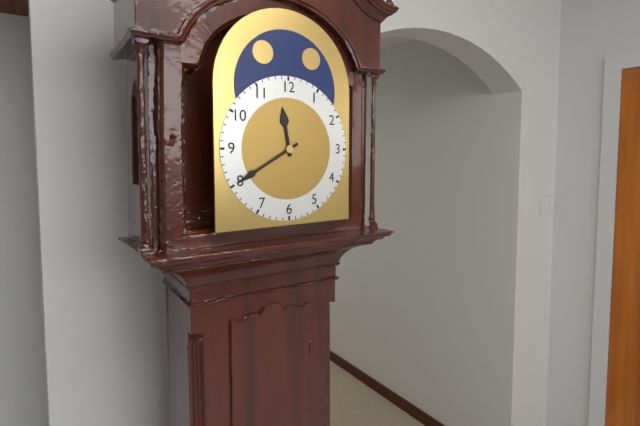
11:40
